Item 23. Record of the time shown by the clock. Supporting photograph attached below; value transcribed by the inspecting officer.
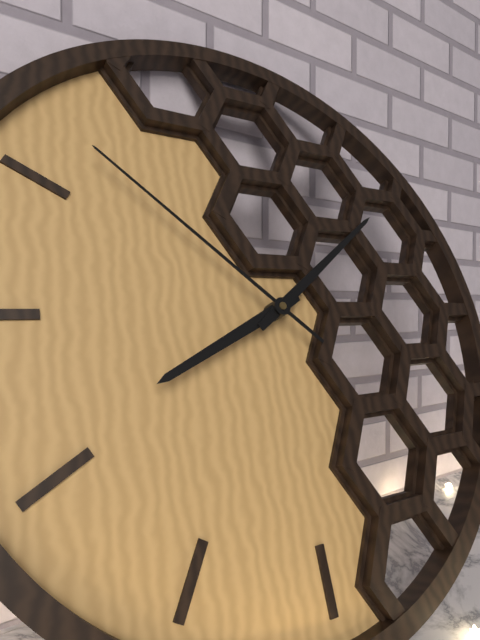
8:09:52
